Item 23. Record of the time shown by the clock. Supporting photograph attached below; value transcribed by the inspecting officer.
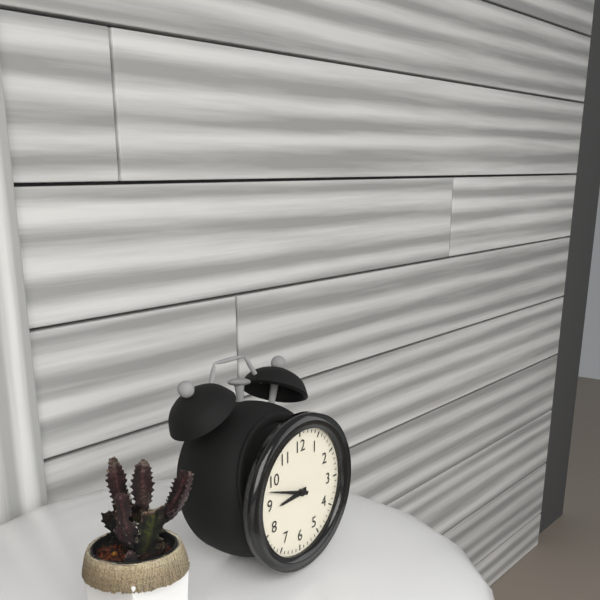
8:48
